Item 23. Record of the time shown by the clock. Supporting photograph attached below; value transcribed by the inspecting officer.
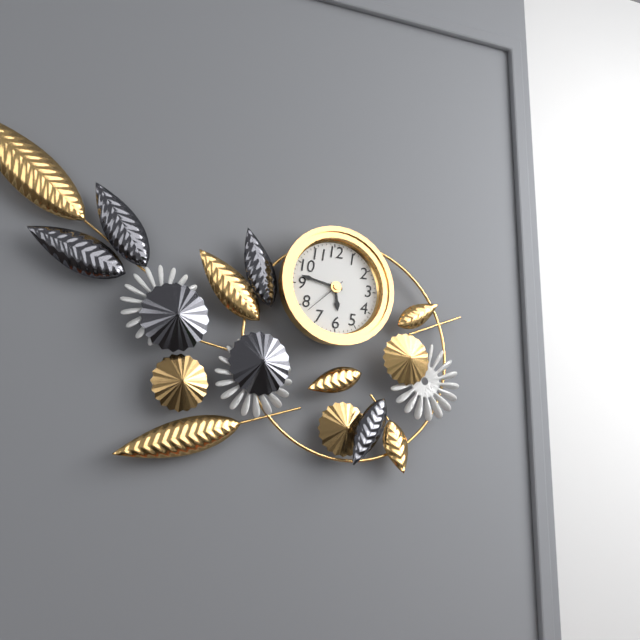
5:47
